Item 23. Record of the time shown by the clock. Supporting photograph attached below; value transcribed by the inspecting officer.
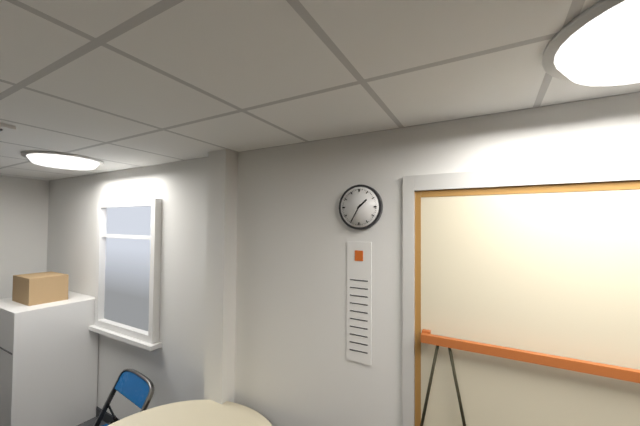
1:35
